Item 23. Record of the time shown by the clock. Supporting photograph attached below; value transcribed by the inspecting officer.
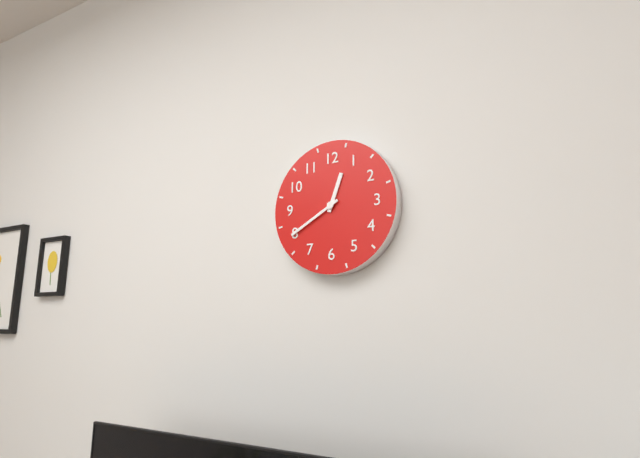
12:40
